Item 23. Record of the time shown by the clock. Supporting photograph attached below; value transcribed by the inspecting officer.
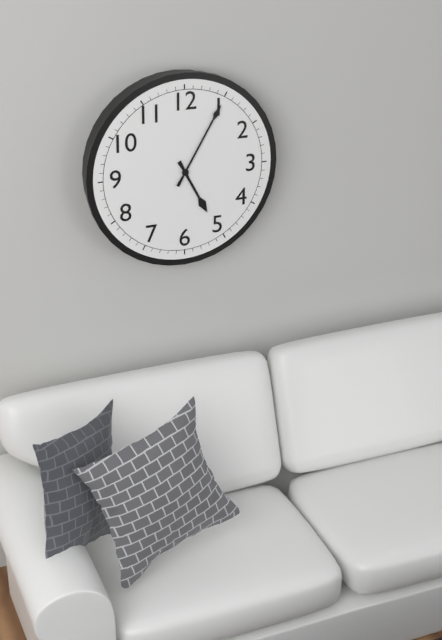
5:05
